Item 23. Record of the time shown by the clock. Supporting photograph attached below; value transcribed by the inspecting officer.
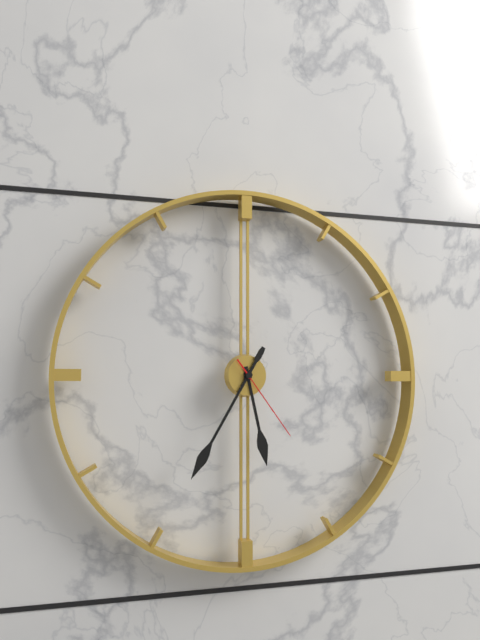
5:35:24
